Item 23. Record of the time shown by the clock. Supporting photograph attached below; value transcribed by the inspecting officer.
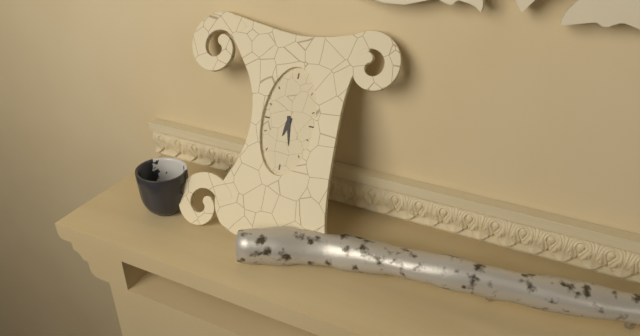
6:28
